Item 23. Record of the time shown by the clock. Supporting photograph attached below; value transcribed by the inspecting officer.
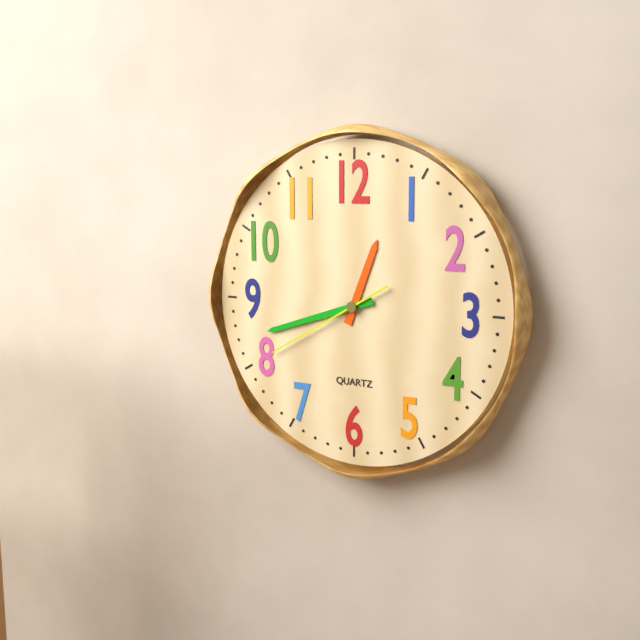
12:42:40
